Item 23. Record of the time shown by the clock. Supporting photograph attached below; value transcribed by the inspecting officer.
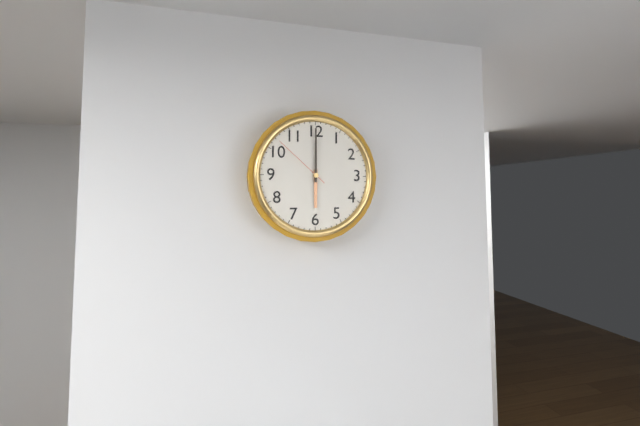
6:00:52
